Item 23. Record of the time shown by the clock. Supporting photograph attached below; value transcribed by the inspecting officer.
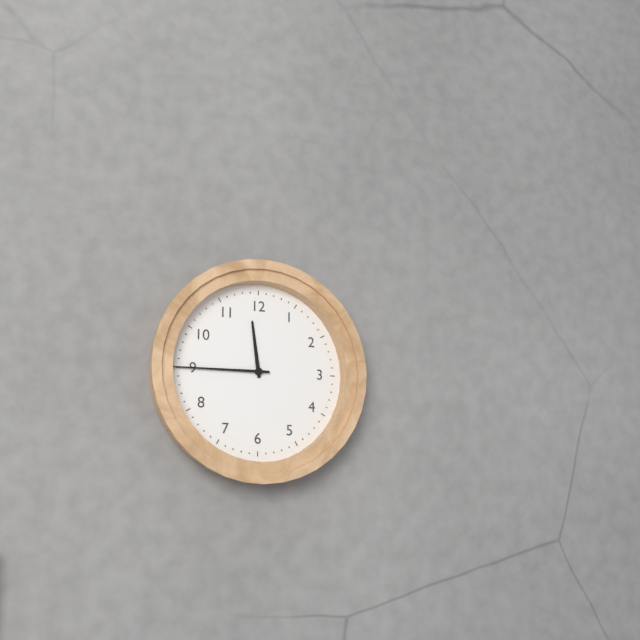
11:45
